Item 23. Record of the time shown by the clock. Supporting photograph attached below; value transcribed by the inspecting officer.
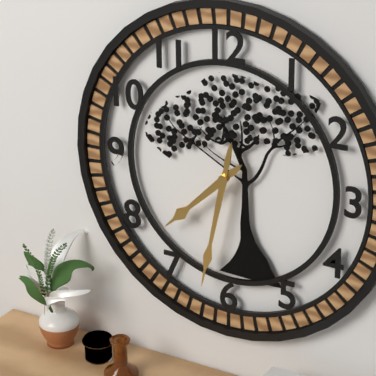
7:32
